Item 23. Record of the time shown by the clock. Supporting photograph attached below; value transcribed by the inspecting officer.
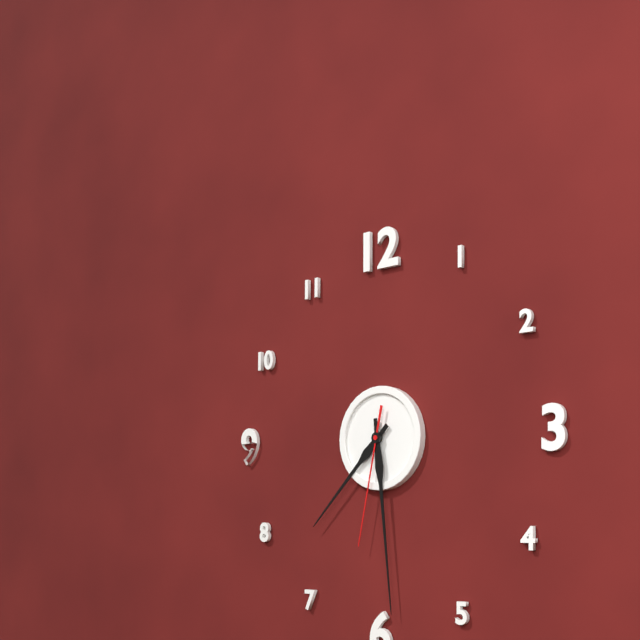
7:29:32
